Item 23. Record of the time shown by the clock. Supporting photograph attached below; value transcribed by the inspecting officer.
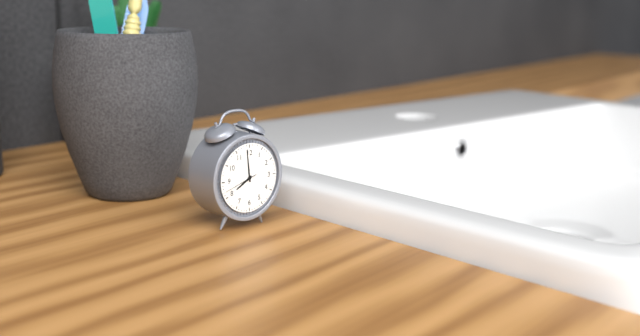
7:59
